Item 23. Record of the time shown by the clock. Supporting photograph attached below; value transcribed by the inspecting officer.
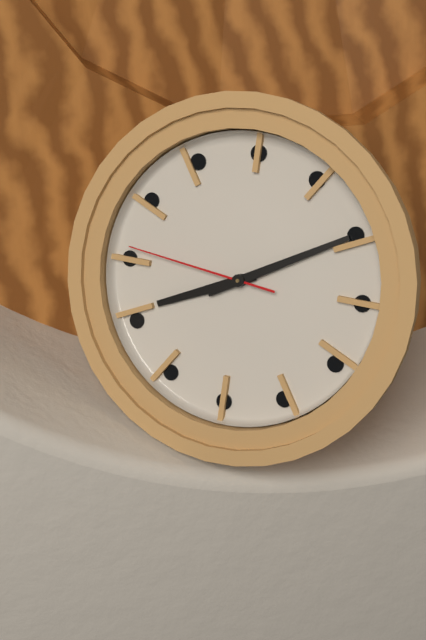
8:10:46
